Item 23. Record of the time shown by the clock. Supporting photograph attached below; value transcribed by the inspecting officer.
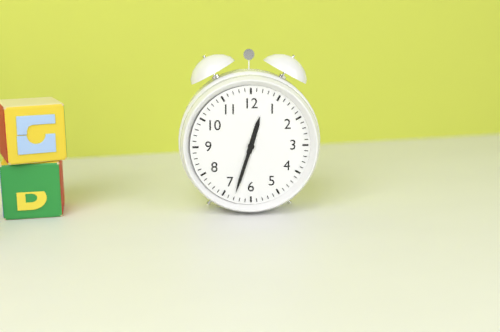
12:33
